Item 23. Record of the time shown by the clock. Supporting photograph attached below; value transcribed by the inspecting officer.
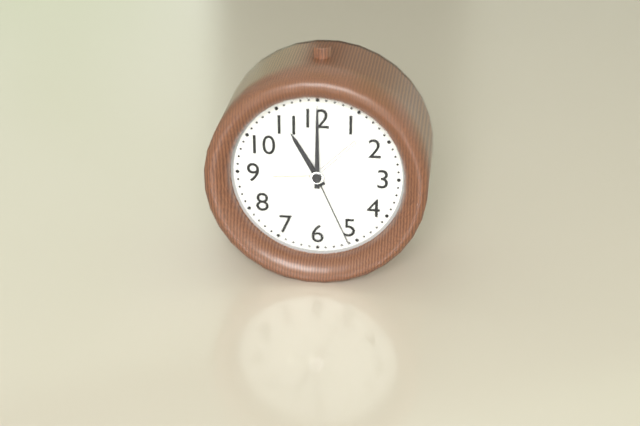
11:00:26
